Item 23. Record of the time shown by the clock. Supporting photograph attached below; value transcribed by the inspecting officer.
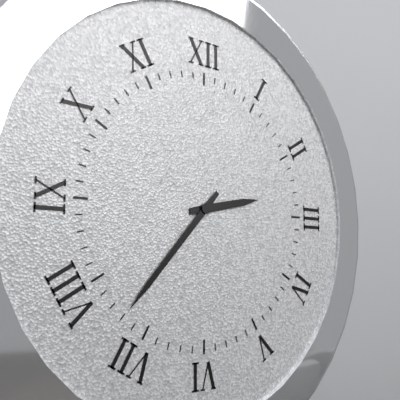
2:37
